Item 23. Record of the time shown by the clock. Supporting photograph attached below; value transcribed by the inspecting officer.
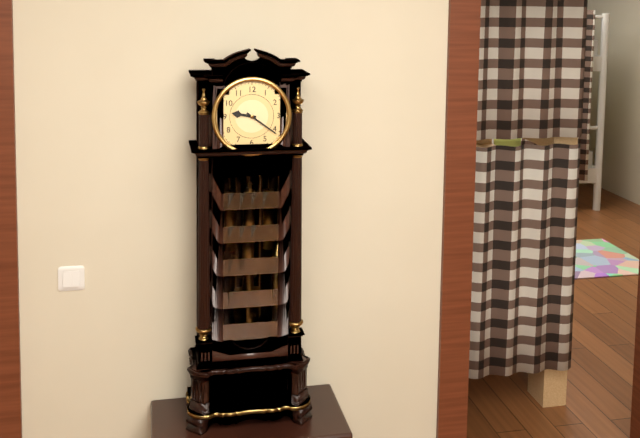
9:21
